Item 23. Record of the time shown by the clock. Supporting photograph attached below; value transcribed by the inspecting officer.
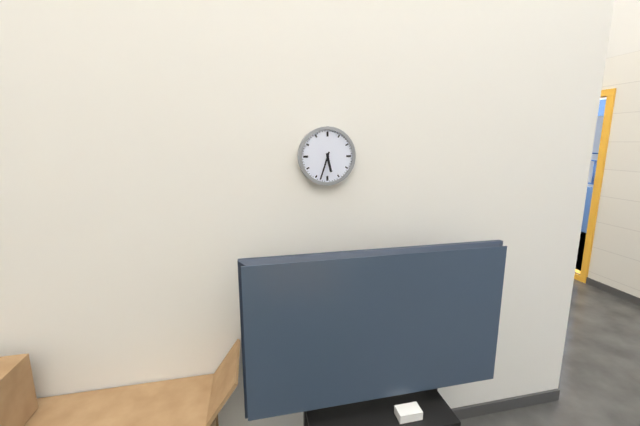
5:33
